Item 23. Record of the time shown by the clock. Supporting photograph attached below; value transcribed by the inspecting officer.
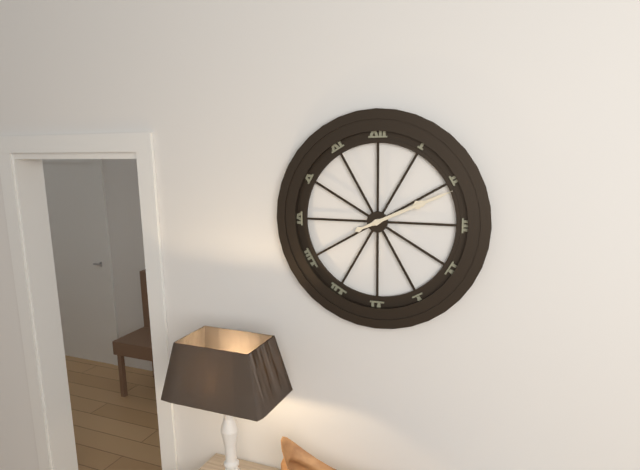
2:11
